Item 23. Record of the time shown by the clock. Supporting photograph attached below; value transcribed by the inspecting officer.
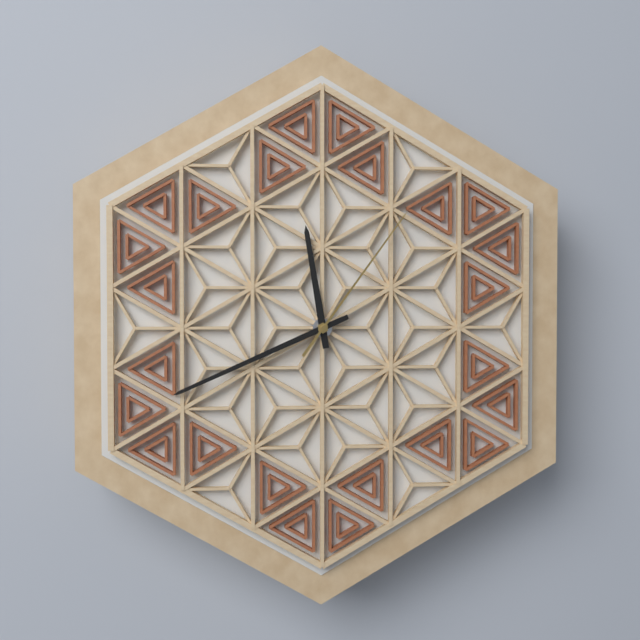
11:41:06
